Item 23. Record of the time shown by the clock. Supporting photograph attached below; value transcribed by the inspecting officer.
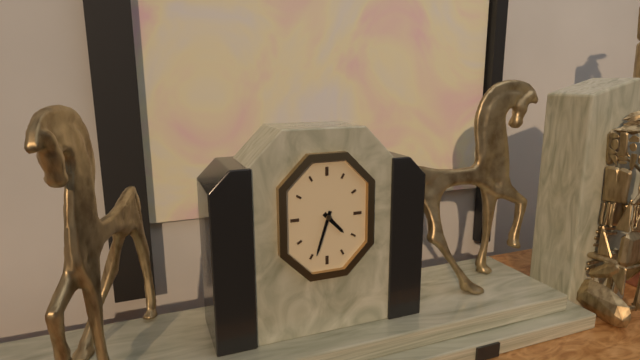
4:33
